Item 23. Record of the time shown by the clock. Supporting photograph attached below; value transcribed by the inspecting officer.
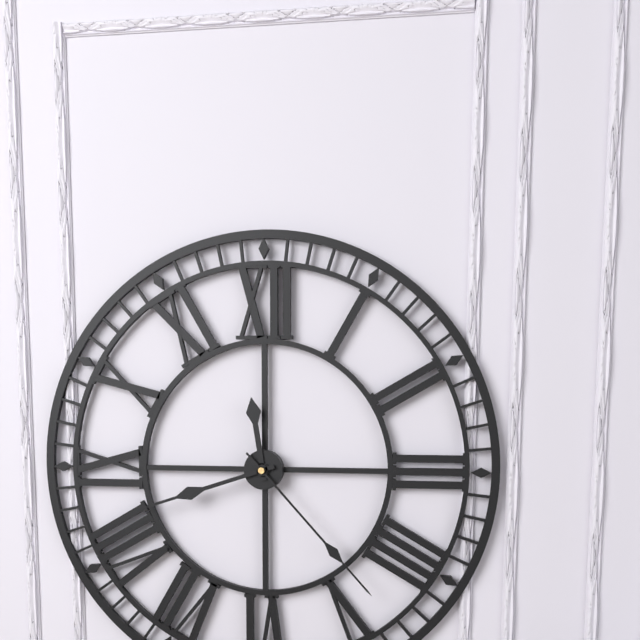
11:42:23
